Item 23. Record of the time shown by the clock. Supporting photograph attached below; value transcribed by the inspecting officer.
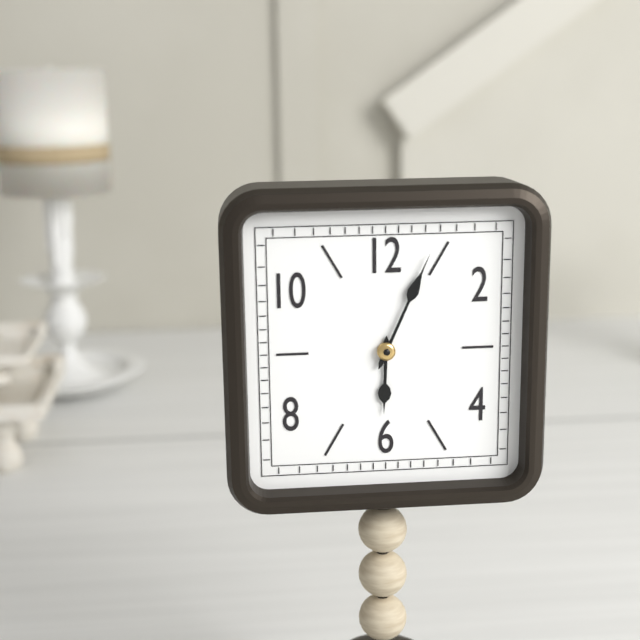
6:04
